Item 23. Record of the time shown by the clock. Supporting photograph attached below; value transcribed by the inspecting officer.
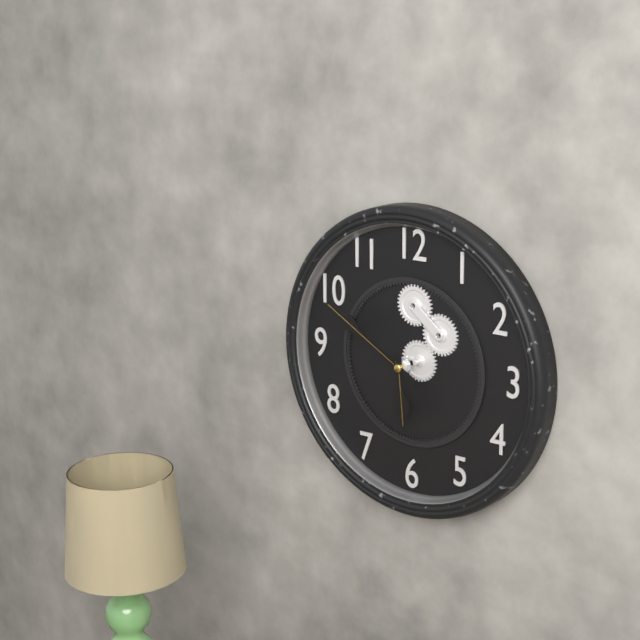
5:50
